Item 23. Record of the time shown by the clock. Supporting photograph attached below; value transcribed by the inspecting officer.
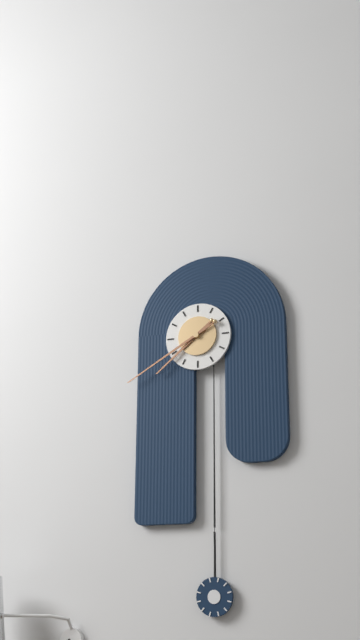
7:40
